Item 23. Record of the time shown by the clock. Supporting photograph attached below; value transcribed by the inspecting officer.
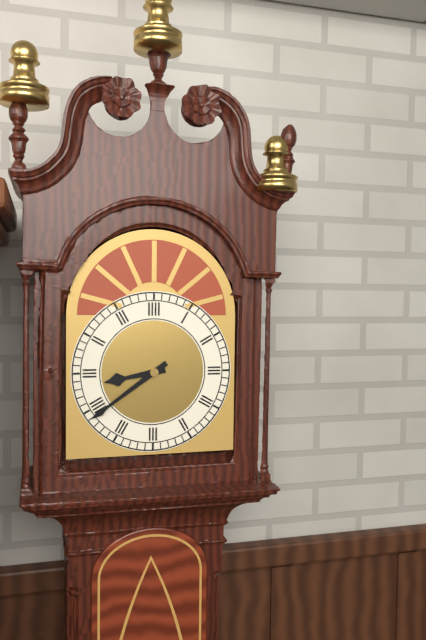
8:39
